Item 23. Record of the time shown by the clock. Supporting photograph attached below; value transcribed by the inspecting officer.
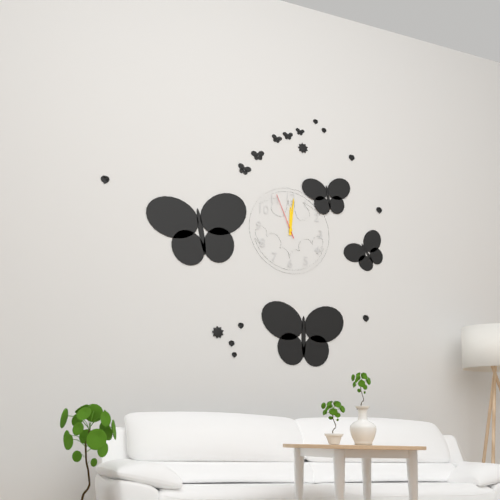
12:01
